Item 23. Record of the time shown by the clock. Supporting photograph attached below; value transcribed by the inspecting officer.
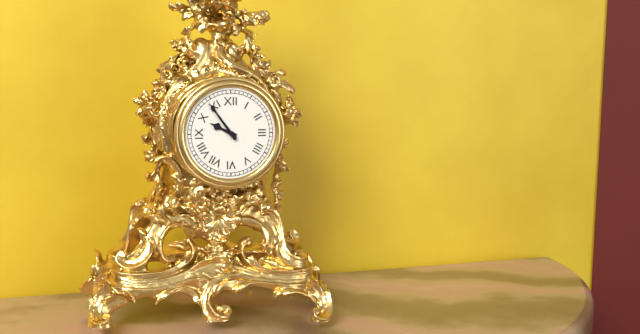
9:54
